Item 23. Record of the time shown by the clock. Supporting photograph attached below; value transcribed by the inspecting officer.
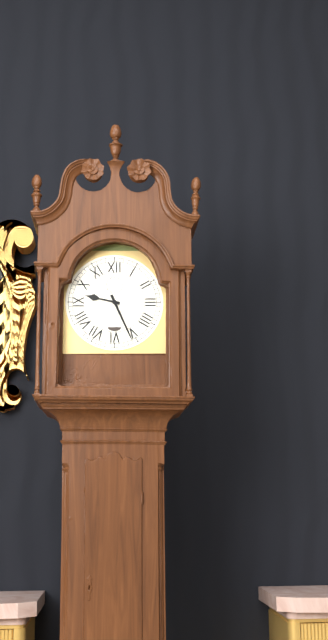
9:26
